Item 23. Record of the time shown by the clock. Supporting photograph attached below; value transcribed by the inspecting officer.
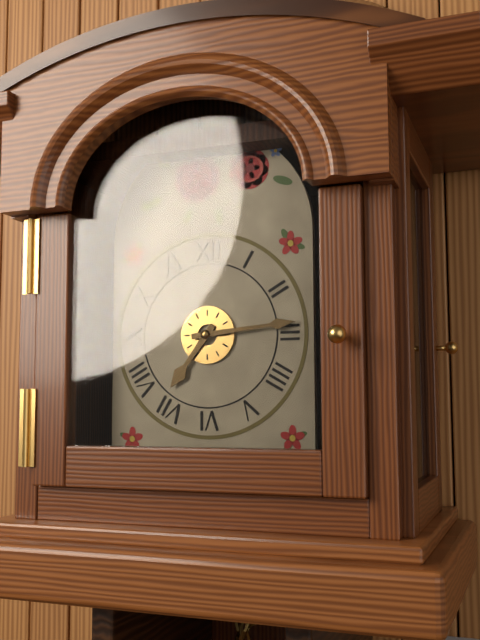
7:14
